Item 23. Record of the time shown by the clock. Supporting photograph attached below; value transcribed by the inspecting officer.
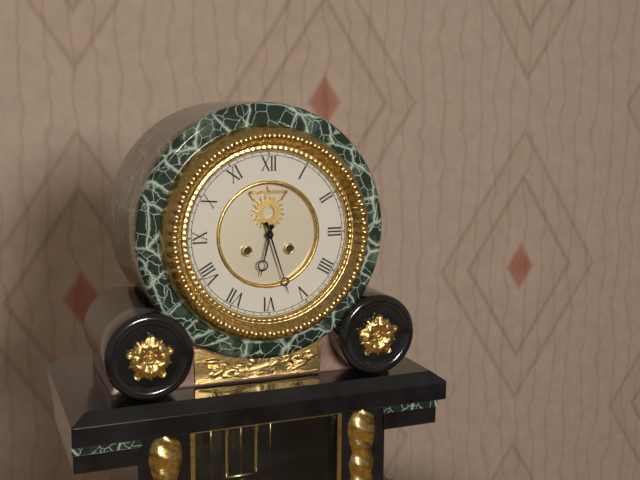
6:27
